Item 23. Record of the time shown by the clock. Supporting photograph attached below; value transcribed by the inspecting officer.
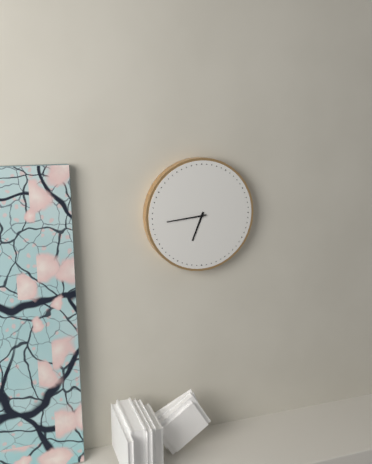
6:44
